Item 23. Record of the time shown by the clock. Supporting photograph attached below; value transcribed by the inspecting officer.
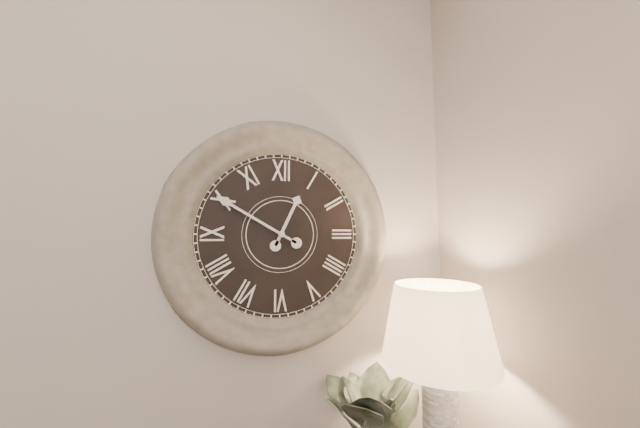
12:50
